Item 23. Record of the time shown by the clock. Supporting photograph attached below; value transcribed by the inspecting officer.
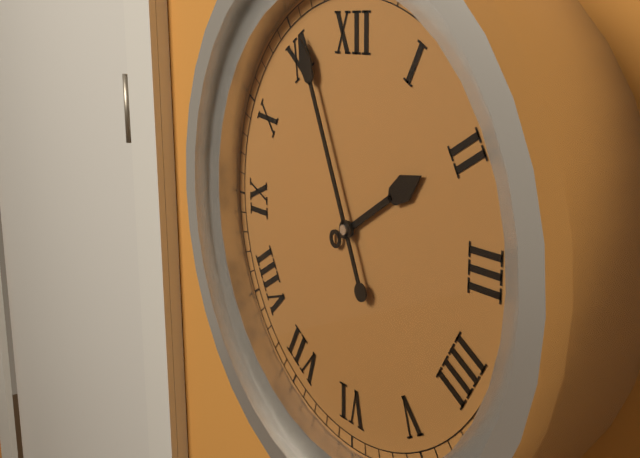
1:56
